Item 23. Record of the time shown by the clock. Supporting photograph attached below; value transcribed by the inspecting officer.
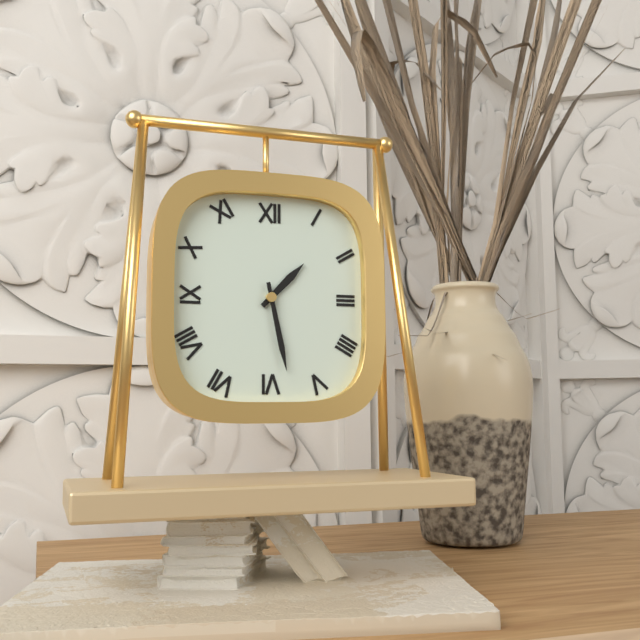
1:28
